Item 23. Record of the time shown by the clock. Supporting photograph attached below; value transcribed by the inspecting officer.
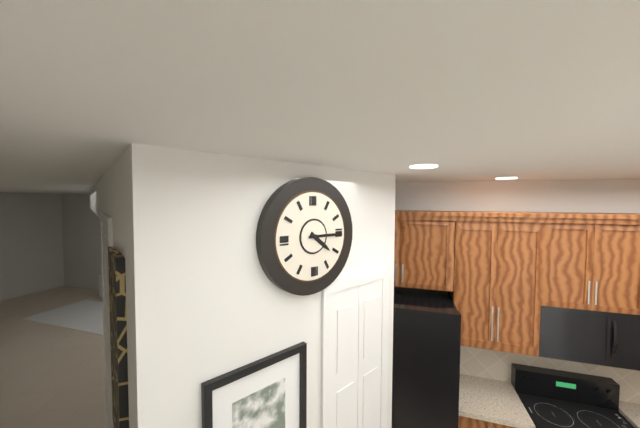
4:15
